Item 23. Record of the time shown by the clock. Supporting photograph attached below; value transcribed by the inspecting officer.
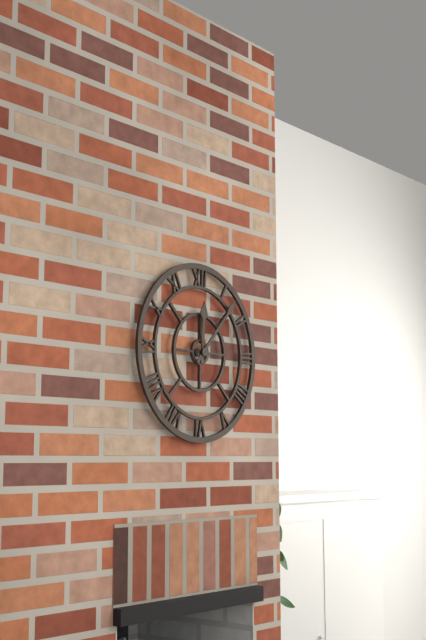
12:07
